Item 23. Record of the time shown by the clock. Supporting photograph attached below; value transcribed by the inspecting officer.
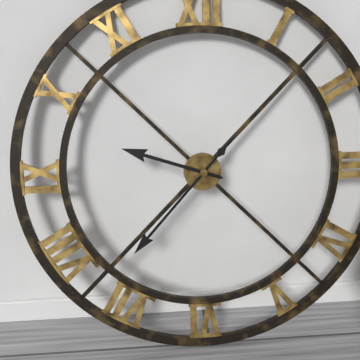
9:37
